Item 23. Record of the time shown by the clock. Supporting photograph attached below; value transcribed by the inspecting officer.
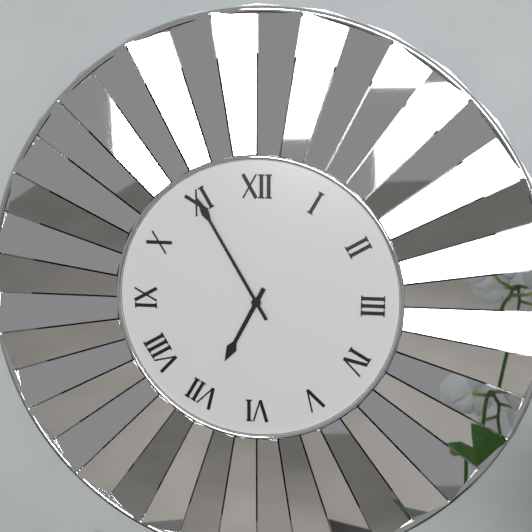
6:55
